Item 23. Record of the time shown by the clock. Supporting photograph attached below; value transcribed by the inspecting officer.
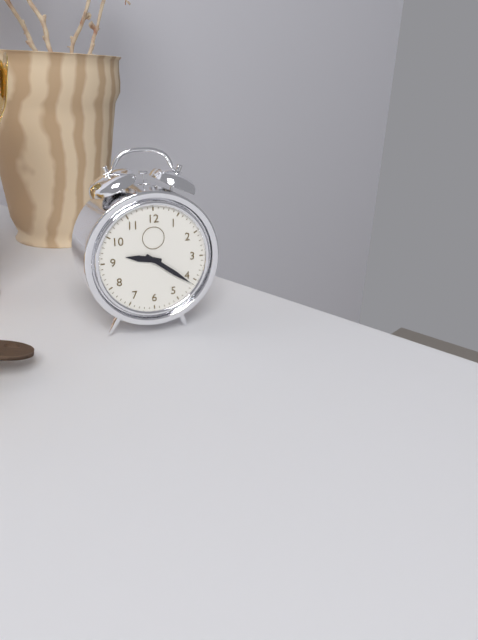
9:21
